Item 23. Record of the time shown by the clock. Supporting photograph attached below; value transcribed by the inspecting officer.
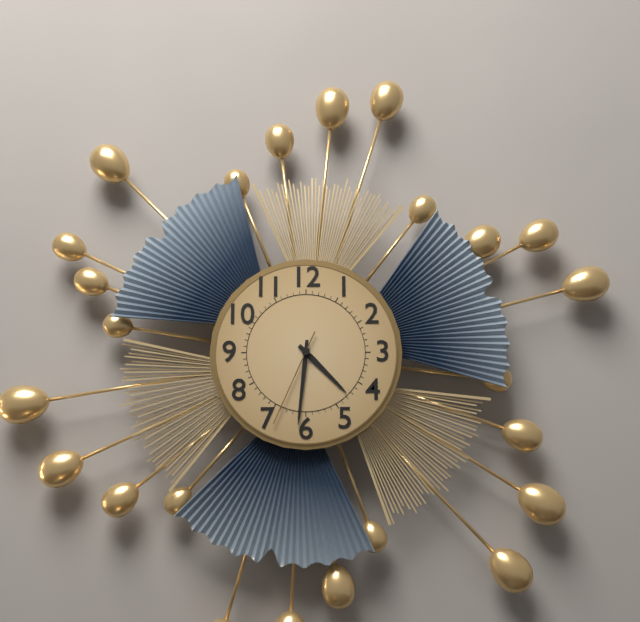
4:31:34
